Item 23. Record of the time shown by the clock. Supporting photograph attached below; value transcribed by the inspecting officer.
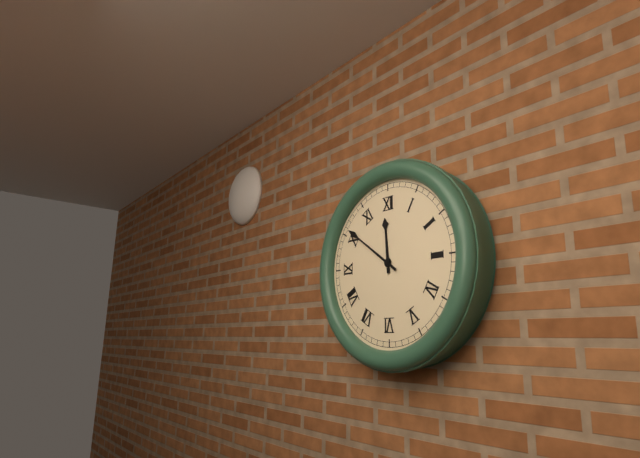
11:51
